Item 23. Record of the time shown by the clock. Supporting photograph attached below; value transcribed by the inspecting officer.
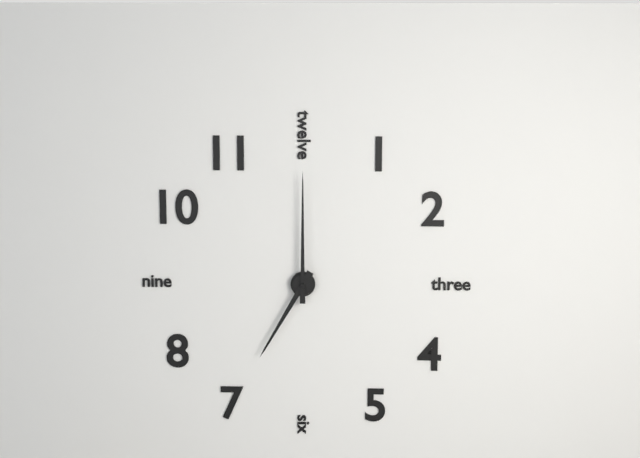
7:00
